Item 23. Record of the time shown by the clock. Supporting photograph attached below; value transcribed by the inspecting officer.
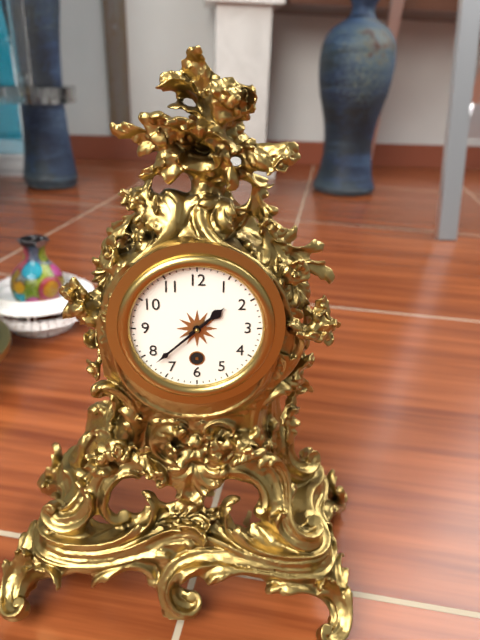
1:38
